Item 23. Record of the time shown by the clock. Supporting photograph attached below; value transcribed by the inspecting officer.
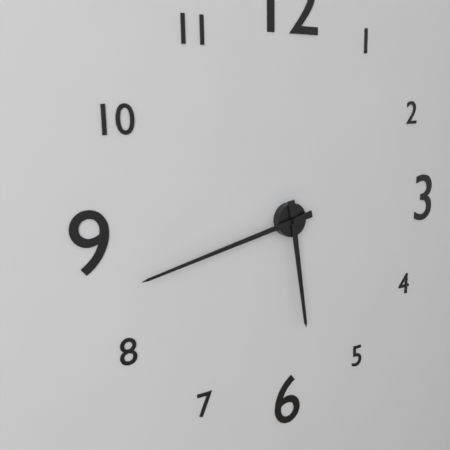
5:43
